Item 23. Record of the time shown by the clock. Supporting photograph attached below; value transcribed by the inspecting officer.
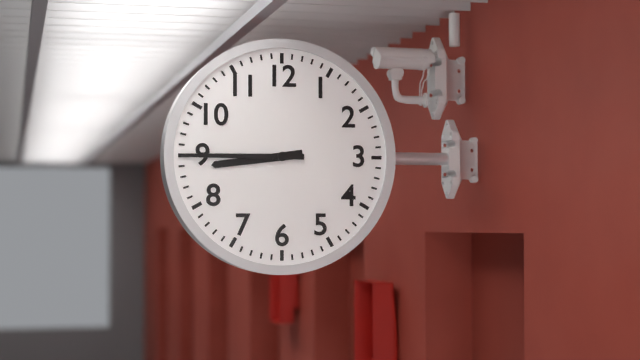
8:45
